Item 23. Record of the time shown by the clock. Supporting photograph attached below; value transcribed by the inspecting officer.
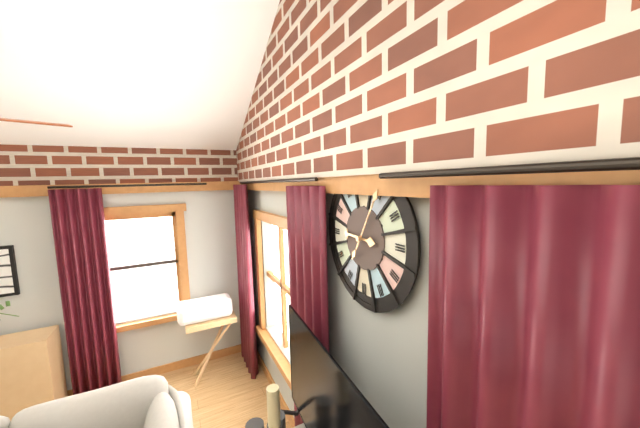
9:05
